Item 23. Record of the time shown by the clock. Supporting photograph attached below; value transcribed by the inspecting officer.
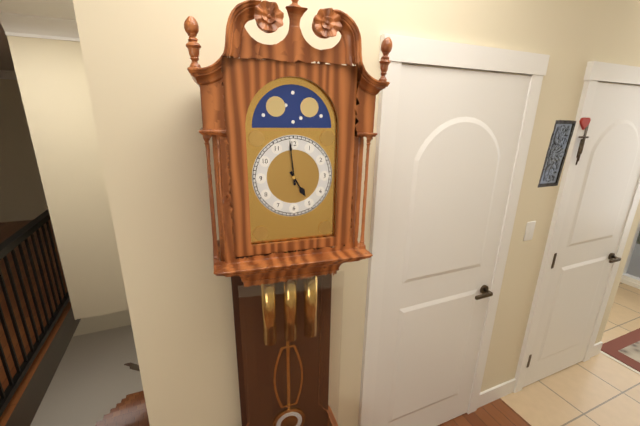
4:59
